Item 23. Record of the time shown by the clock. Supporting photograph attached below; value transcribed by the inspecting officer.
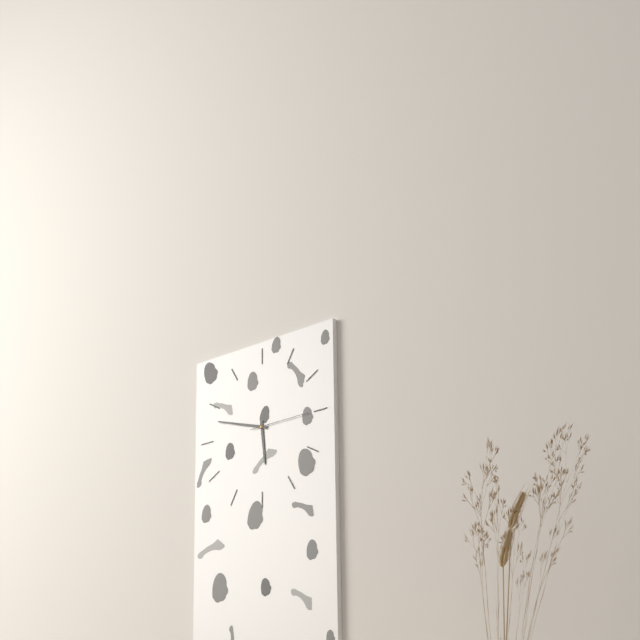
5:48:15
